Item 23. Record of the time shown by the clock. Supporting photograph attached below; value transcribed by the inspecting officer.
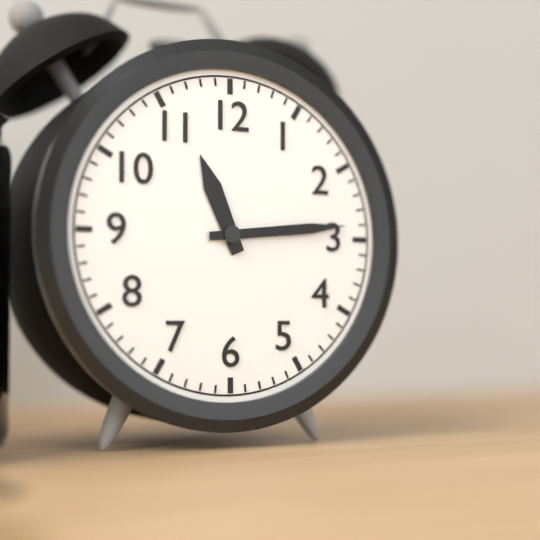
11:14
